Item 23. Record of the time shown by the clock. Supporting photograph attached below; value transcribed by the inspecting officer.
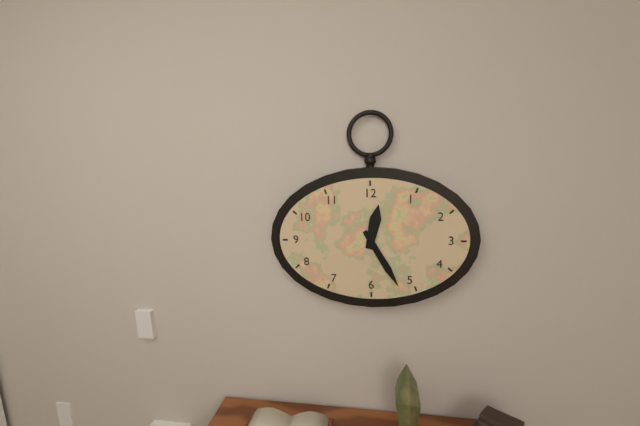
12:25
